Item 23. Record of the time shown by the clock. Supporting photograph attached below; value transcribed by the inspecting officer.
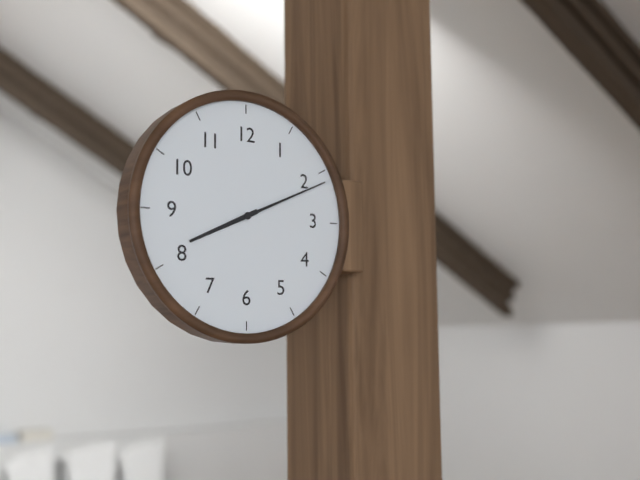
8:11
